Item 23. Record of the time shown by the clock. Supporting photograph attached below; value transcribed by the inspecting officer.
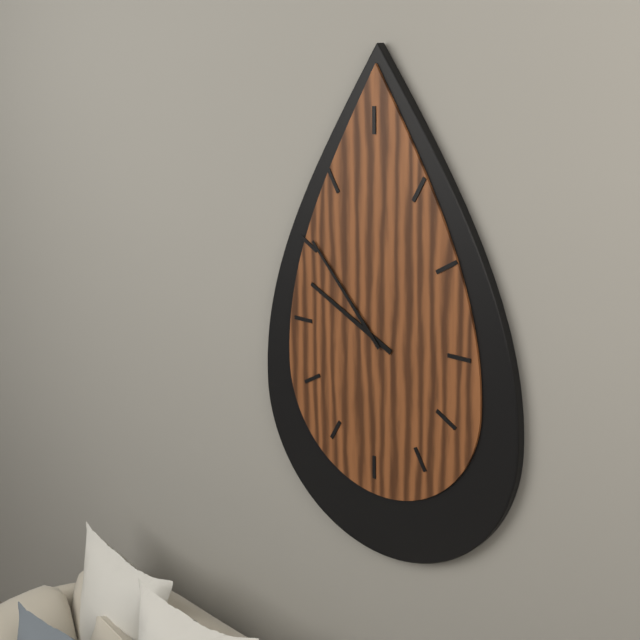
9:53
